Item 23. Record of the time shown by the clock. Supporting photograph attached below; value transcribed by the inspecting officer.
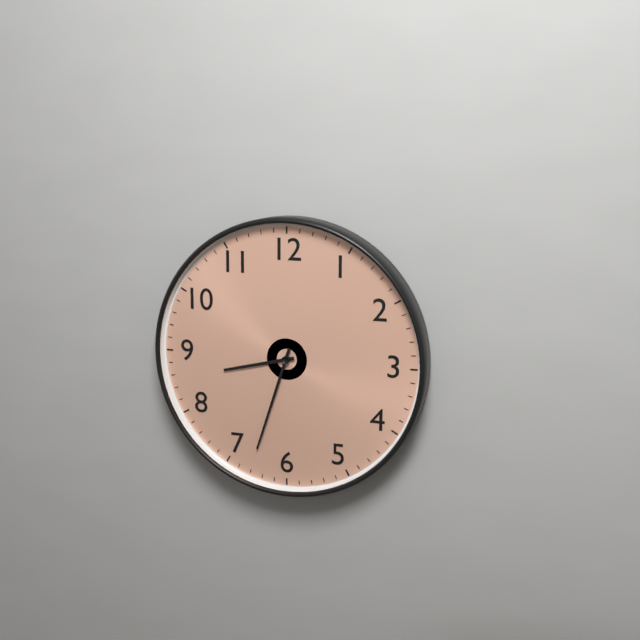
8:33
